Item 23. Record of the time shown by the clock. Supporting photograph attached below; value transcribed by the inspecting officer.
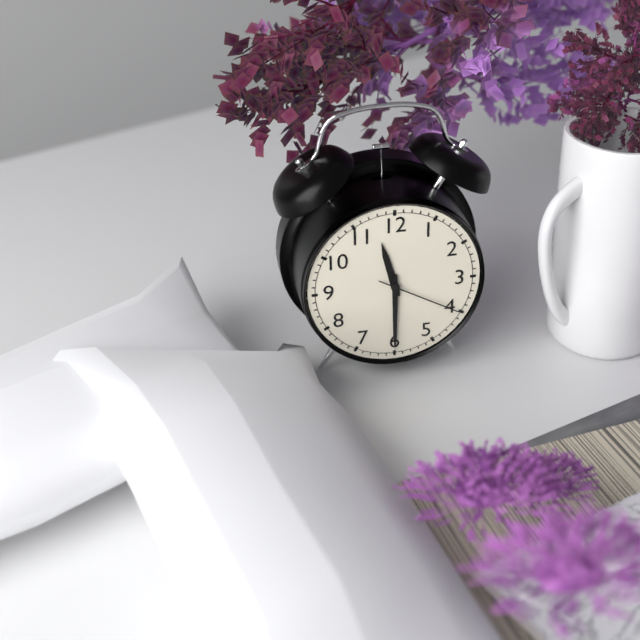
11:30:20
